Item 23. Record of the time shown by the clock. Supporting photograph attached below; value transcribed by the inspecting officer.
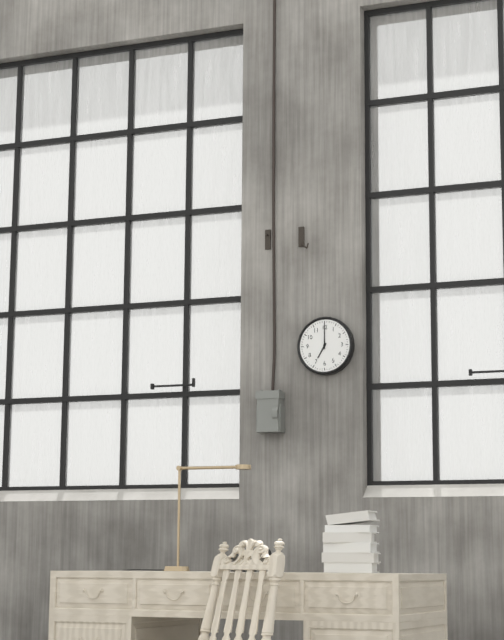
7:00
